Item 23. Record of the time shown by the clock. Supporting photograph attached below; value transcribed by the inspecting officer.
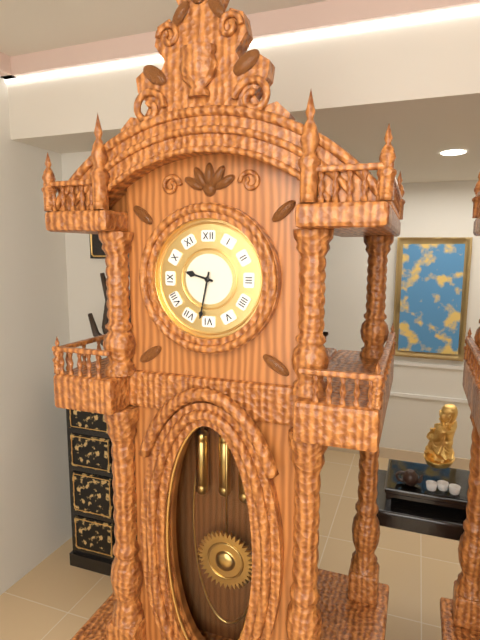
9:32
